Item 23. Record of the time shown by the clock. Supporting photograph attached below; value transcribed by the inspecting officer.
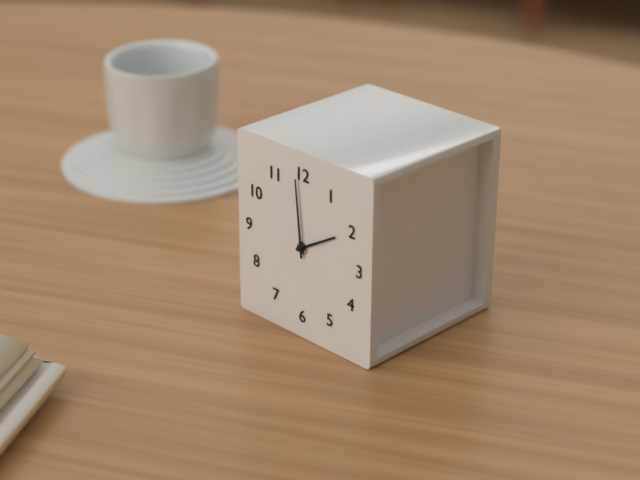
1:59
